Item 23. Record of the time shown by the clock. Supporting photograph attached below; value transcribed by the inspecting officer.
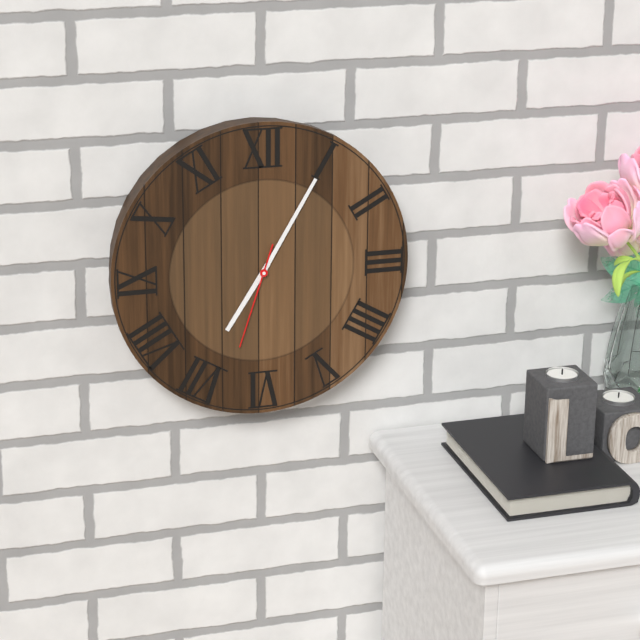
7:05:33
